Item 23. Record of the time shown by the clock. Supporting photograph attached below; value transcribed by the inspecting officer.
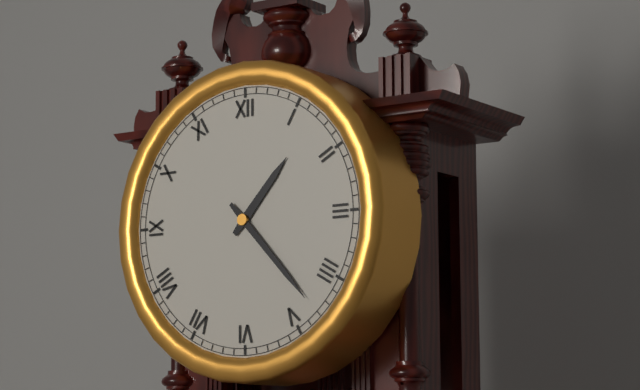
1:23
